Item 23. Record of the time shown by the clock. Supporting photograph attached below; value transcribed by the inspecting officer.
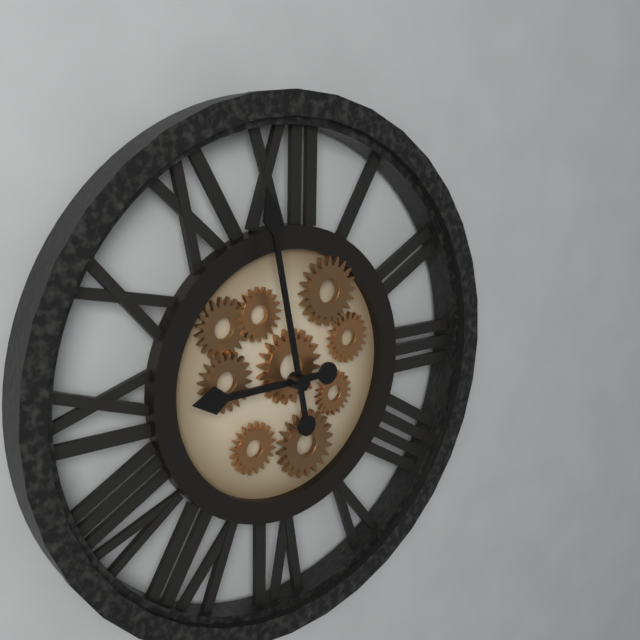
8:58
